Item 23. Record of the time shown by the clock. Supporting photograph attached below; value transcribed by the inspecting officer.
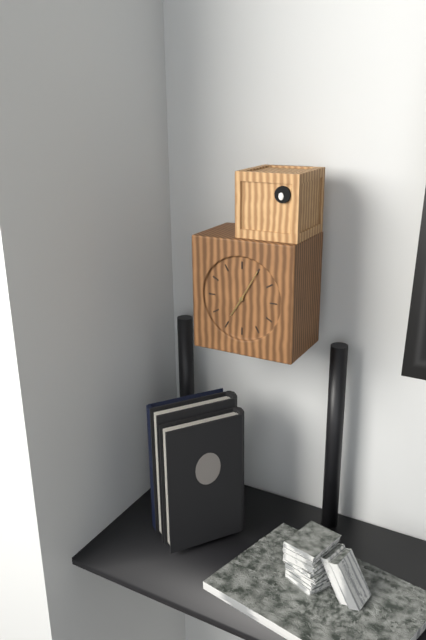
7:05
